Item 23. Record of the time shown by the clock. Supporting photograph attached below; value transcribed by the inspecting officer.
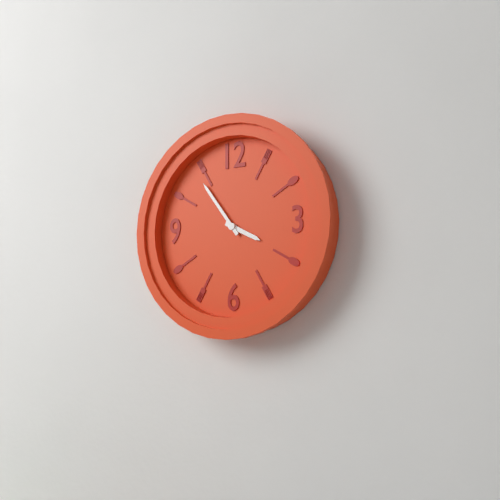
3:54
